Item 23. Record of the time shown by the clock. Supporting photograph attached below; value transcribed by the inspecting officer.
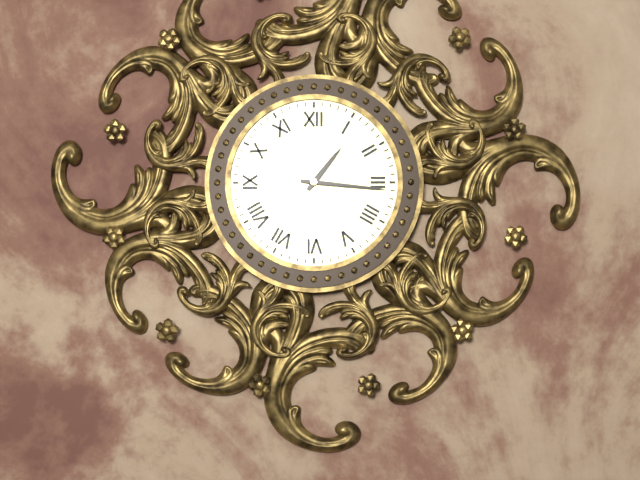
1:16
